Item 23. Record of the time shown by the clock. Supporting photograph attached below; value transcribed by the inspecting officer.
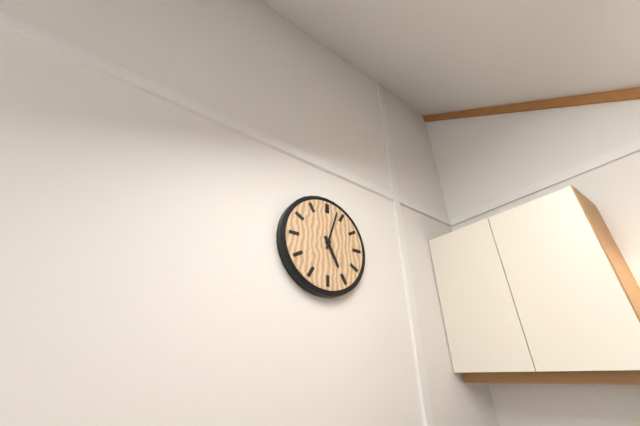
5:03
